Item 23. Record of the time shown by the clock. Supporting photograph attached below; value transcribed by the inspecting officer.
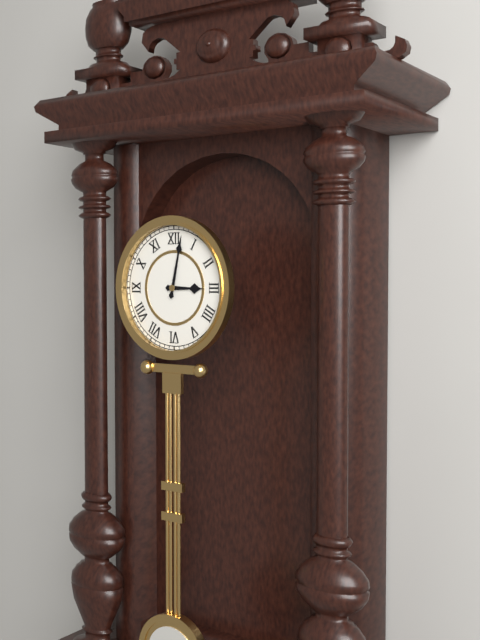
3:02
